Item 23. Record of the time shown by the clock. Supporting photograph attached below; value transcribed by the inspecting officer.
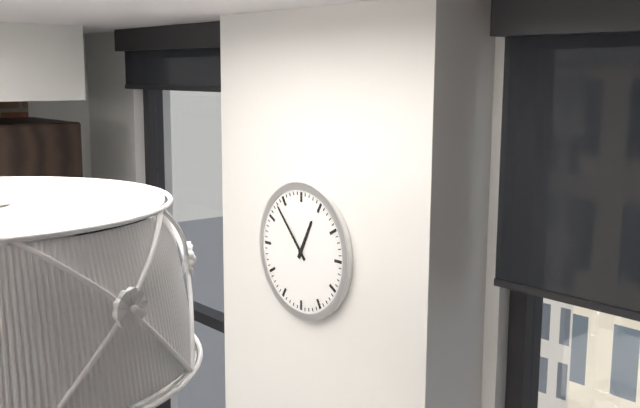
12:53
